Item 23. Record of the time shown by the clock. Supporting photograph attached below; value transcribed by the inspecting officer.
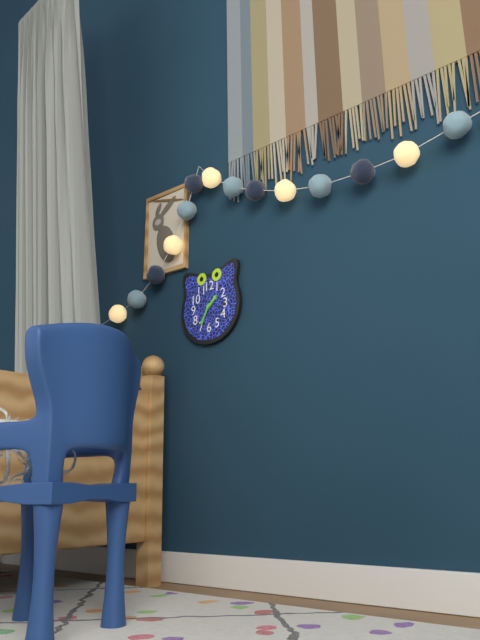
1:35
